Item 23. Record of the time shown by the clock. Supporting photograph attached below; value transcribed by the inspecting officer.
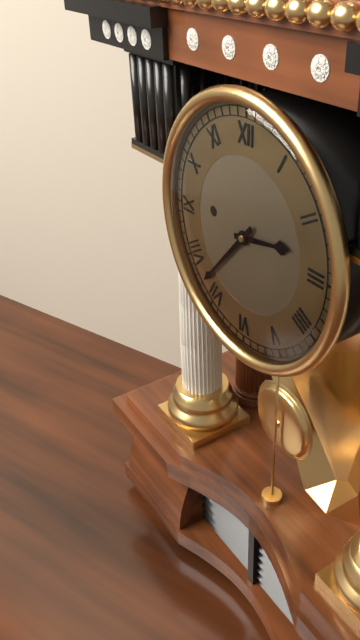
2:37
